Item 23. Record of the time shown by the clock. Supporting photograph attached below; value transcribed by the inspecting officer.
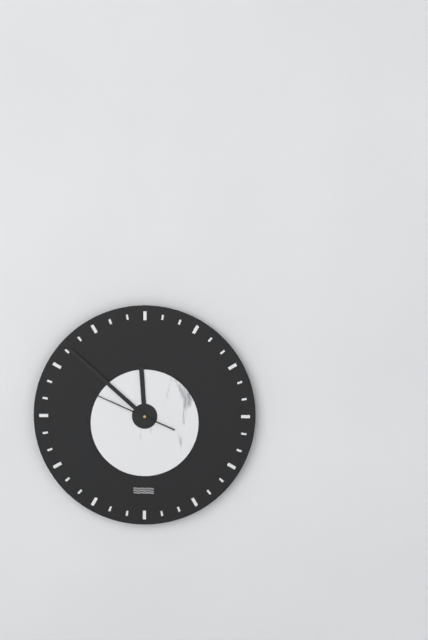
11:52:49
